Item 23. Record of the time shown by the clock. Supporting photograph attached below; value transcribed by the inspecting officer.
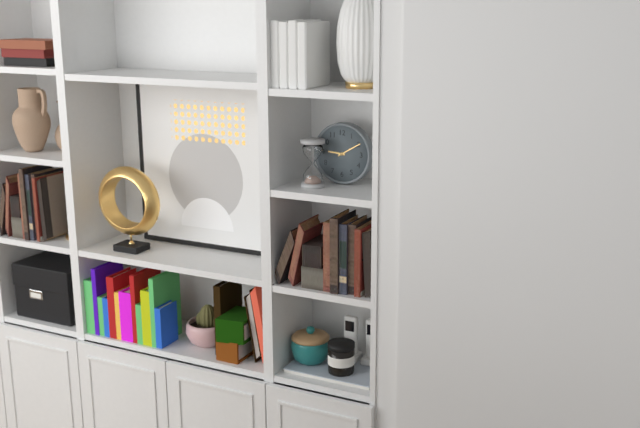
9:10
